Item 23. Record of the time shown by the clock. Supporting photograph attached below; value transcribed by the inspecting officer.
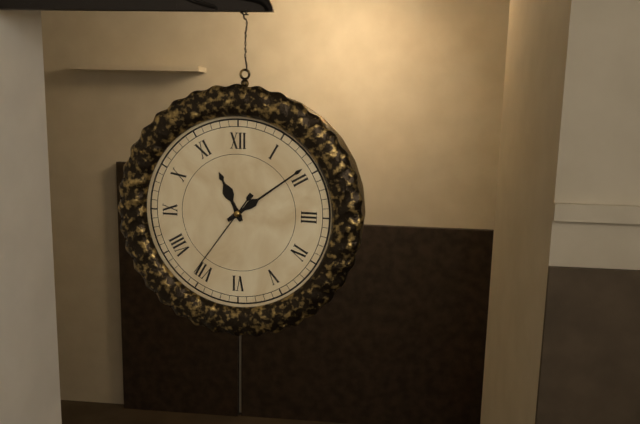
11:09:36
